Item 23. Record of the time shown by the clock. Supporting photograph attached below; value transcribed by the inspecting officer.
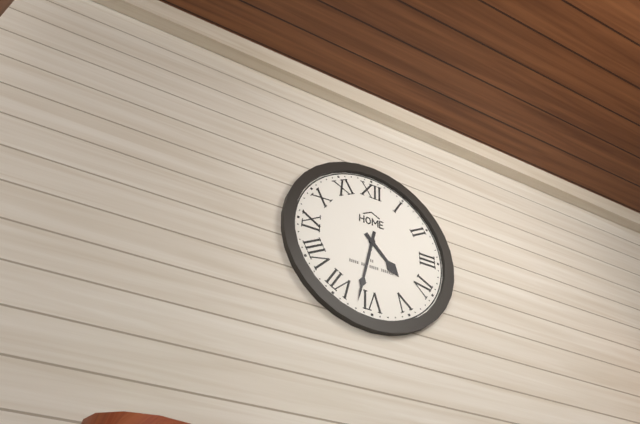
4:32
